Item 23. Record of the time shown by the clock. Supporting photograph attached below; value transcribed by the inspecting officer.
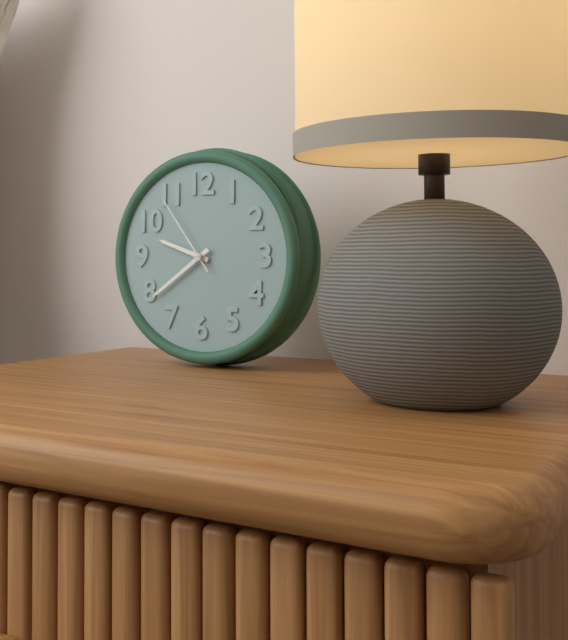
9:39:54
